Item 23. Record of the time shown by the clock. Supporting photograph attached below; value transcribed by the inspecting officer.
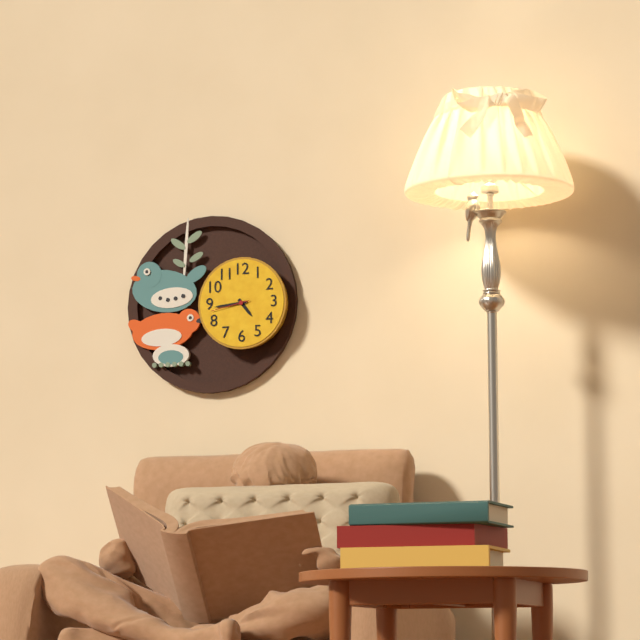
4:44
